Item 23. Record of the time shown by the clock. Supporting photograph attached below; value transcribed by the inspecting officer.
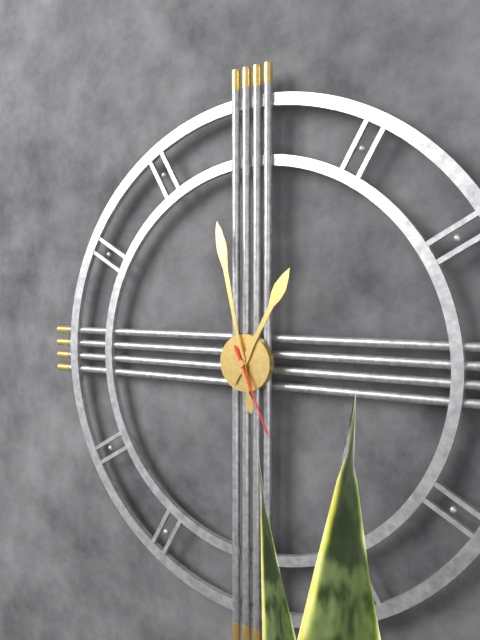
12:58:26
